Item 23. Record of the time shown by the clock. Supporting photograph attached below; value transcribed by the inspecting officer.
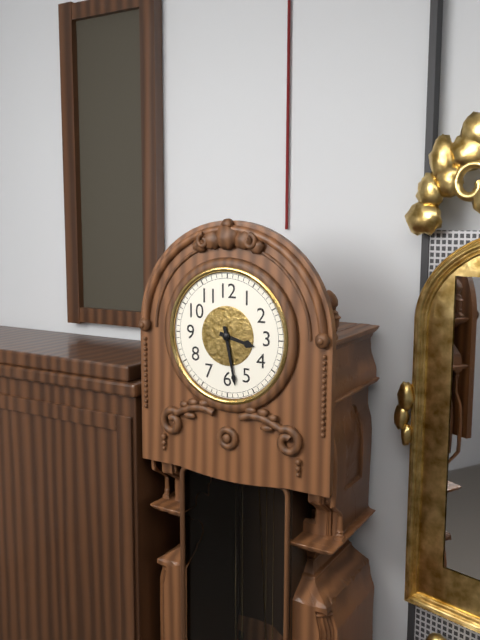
3:28
